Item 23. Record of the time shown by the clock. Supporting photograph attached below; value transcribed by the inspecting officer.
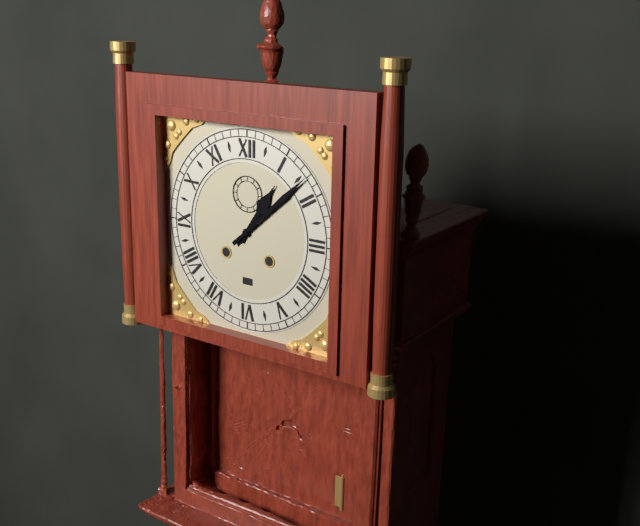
1:08
